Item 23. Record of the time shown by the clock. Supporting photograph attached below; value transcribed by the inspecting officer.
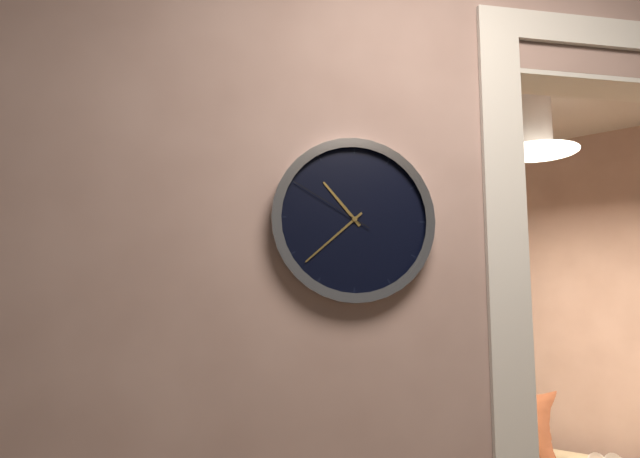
10:38:50
